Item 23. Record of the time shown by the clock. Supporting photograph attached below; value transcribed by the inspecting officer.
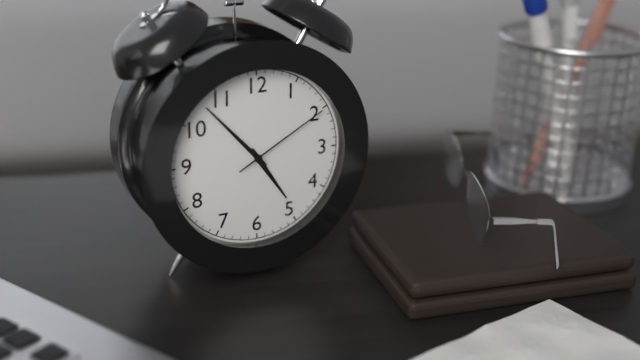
4:53:10
